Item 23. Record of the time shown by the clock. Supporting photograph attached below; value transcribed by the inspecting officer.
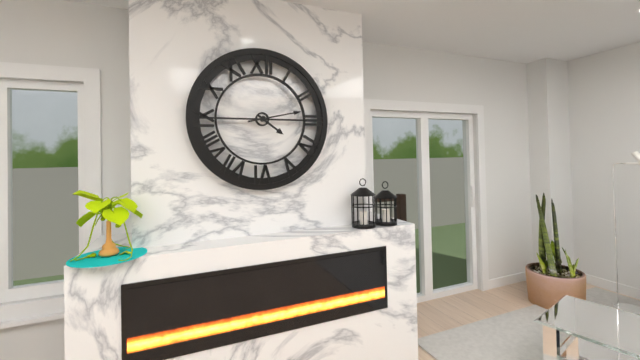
4:13
